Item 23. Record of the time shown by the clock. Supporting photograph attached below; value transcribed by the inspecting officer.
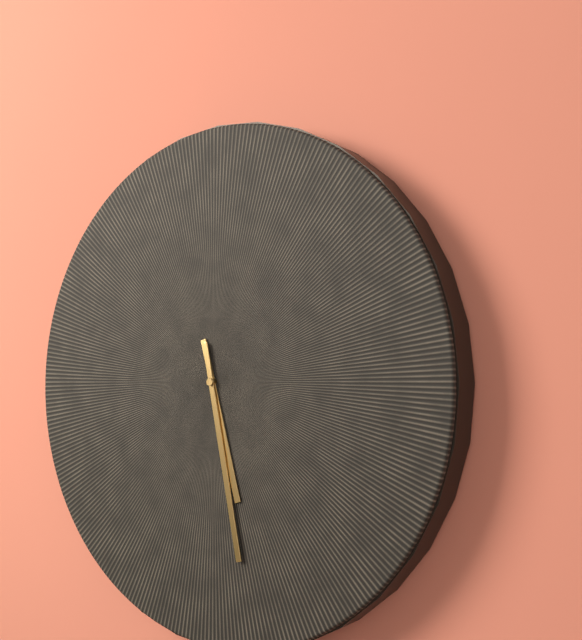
5:28
